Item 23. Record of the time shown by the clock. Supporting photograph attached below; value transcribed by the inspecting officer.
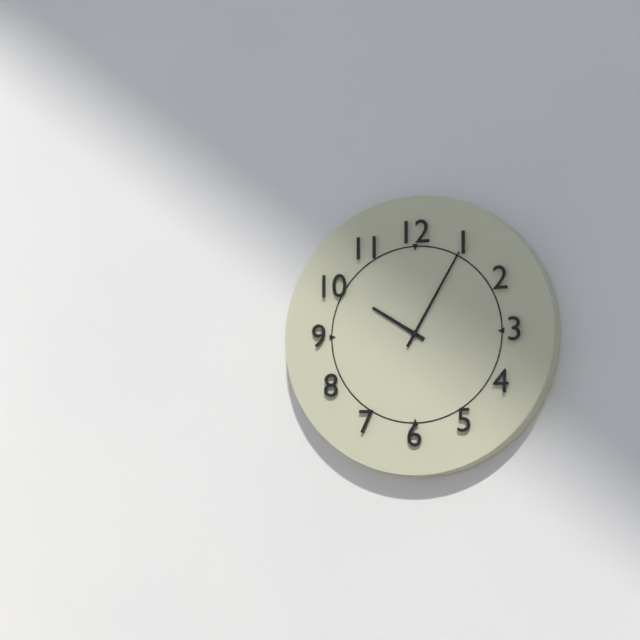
10:05
